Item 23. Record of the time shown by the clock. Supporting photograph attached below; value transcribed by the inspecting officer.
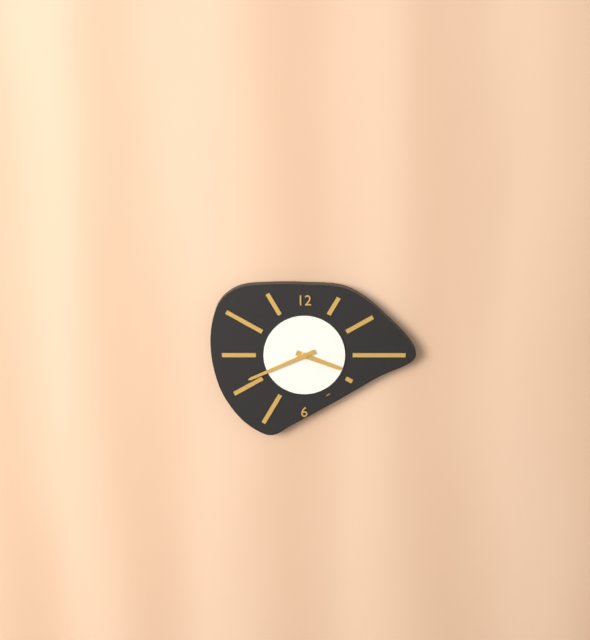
3:41
